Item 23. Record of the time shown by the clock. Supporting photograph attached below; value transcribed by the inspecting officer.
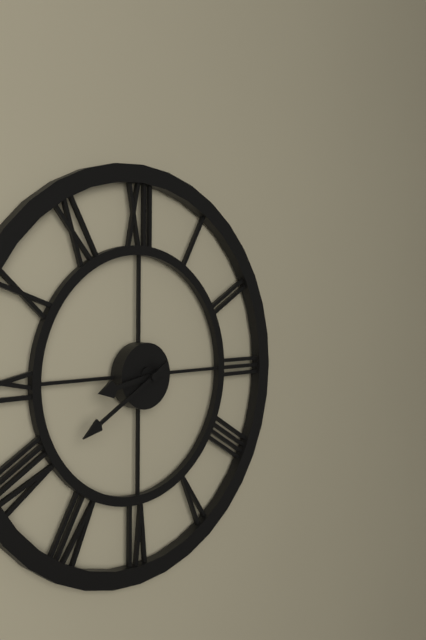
8:40
